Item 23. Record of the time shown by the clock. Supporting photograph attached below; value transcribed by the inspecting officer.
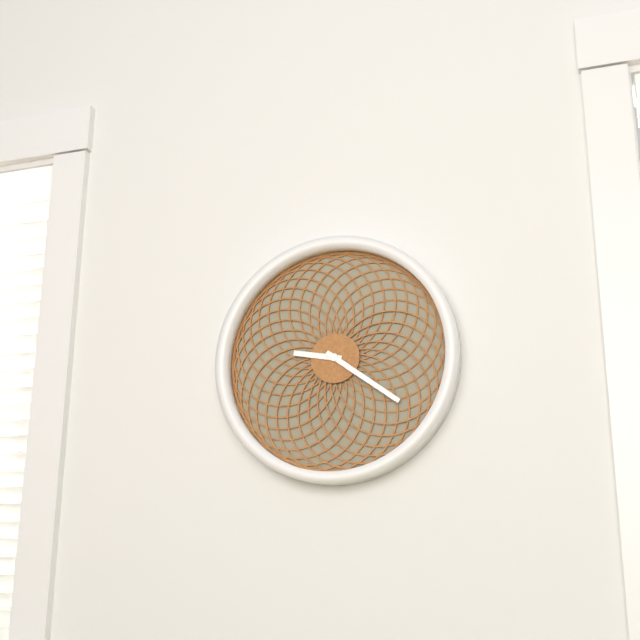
9:21
